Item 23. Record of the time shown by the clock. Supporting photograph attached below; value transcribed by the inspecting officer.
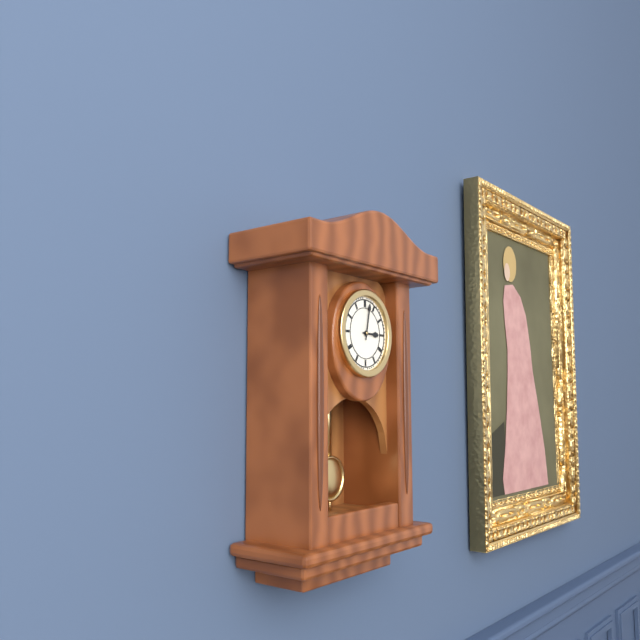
3:02
